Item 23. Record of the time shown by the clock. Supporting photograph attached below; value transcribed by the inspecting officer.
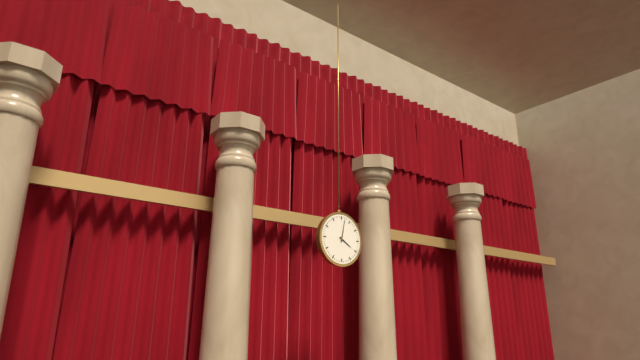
4:02
